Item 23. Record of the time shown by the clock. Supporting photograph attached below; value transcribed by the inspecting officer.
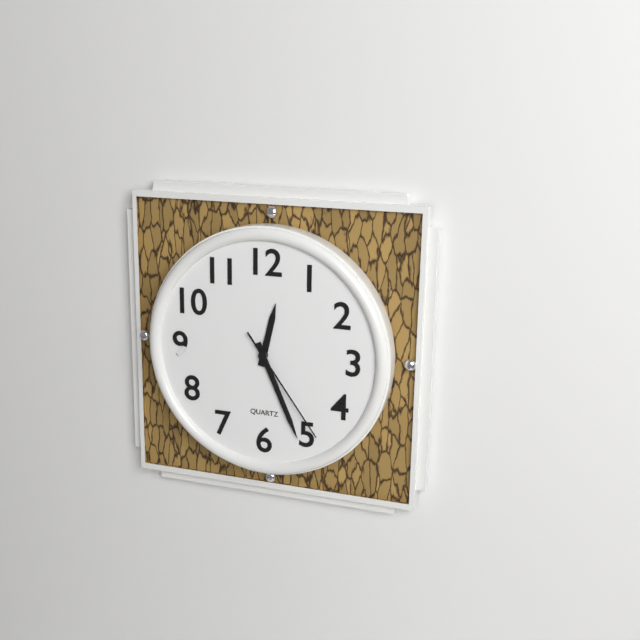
12:26:24
